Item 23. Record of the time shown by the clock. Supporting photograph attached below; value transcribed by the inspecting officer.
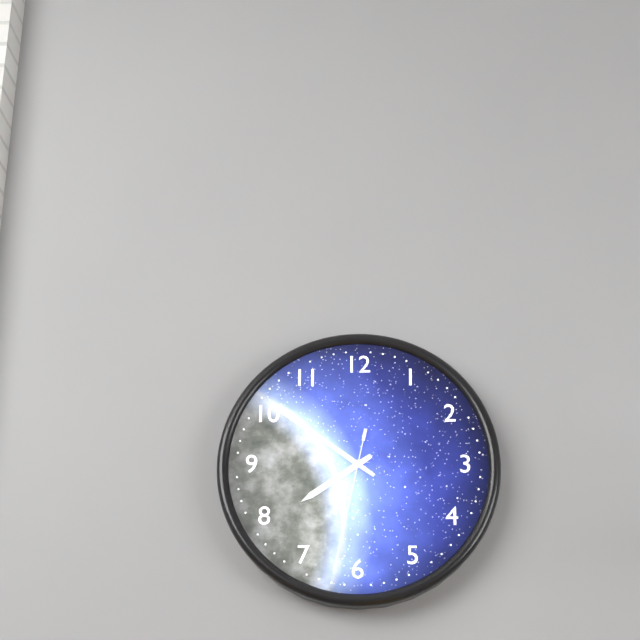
7:51:32
